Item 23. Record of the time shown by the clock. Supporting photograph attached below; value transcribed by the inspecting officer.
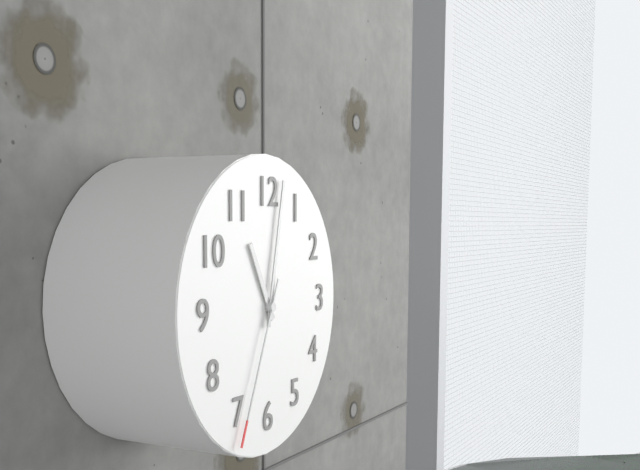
11:02:34
